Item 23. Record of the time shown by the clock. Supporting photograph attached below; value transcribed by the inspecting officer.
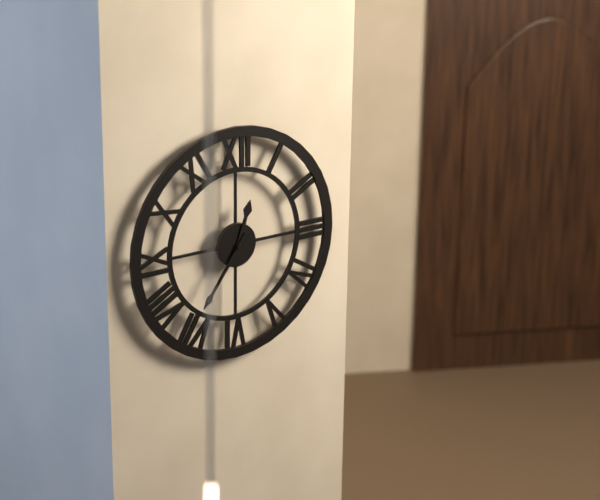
12:36
